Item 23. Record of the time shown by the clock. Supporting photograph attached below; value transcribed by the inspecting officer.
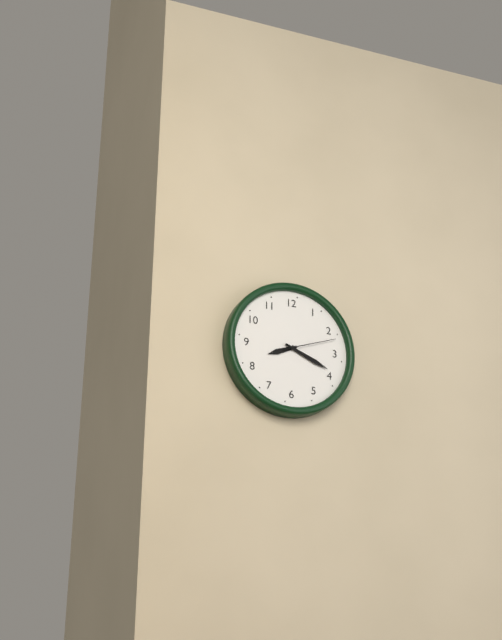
8:19:12
